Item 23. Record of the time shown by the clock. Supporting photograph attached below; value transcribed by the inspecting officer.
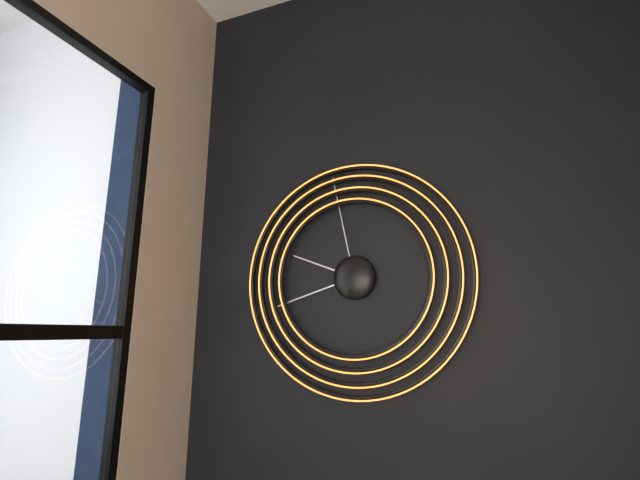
9:42:58
